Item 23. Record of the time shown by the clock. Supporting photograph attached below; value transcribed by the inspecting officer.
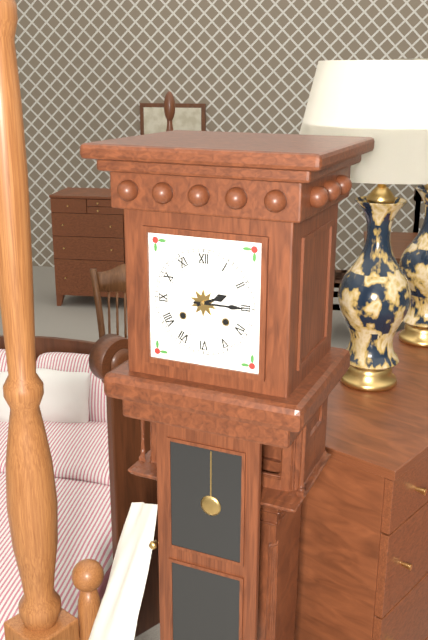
2:15
